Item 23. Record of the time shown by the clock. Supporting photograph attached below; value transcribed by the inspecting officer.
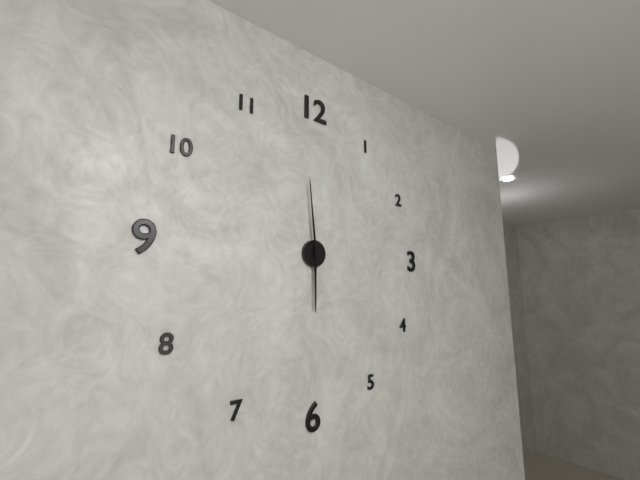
5:59
